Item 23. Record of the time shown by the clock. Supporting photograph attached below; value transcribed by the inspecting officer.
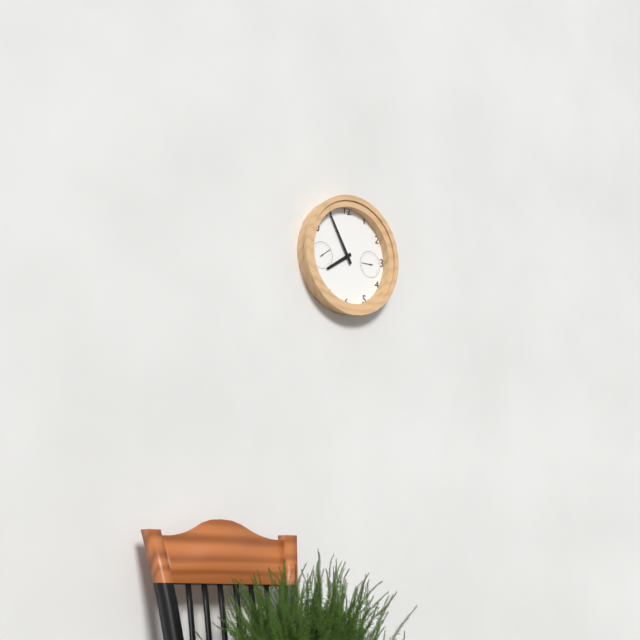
7:55
